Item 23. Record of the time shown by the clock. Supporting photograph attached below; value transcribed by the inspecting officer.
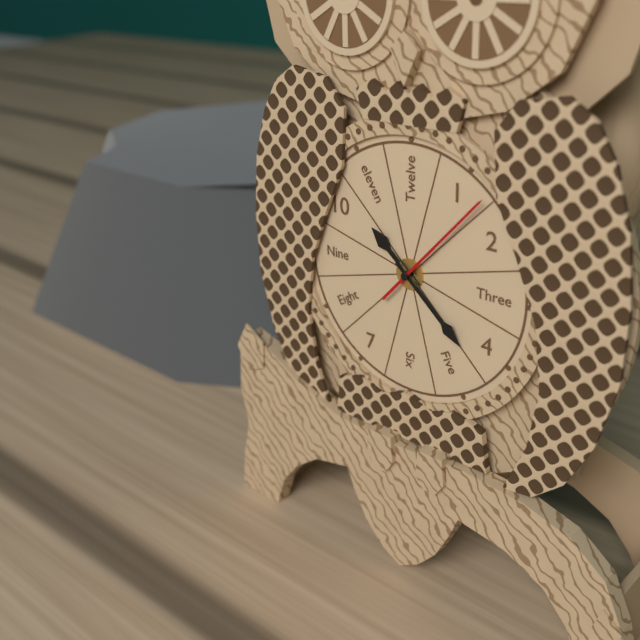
10:22:07
